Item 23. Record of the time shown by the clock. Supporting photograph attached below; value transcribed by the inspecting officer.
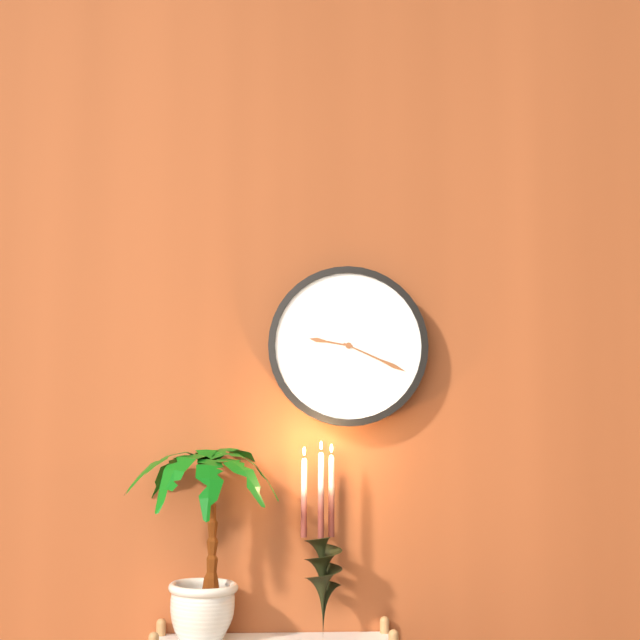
9:19
